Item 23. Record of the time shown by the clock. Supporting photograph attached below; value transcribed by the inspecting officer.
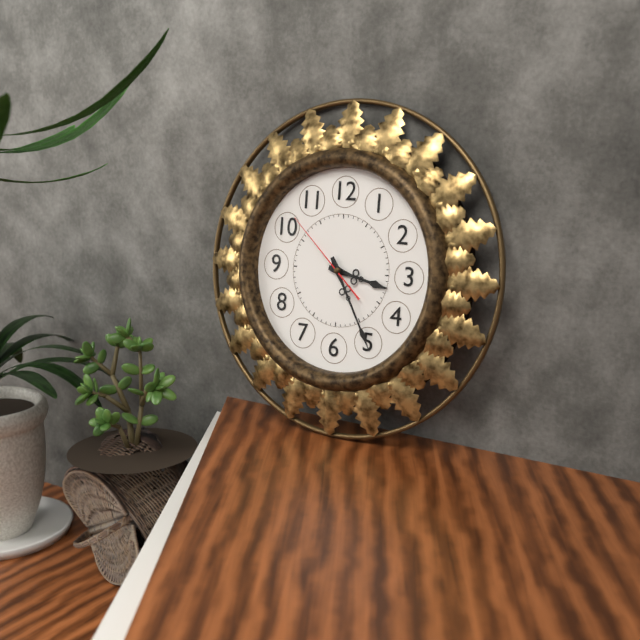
3:25:52
